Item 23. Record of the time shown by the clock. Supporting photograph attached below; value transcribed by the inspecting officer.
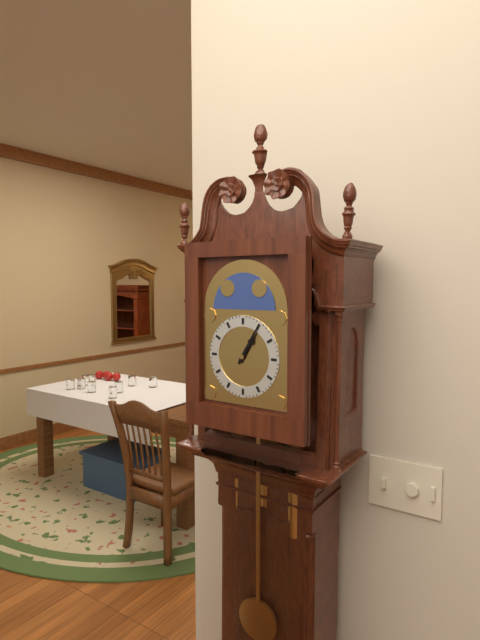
1:05
